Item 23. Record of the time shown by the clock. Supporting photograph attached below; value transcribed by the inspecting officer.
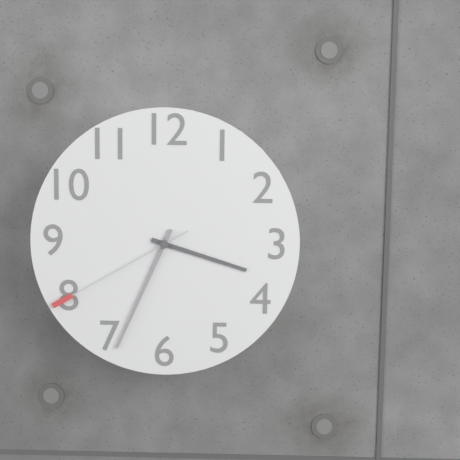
3:34:40
